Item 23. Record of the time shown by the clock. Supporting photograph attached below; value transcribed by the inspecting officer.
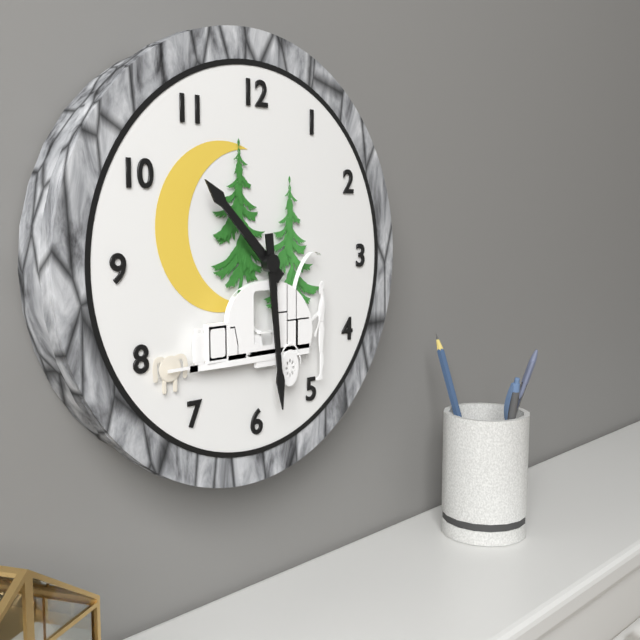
10:29
